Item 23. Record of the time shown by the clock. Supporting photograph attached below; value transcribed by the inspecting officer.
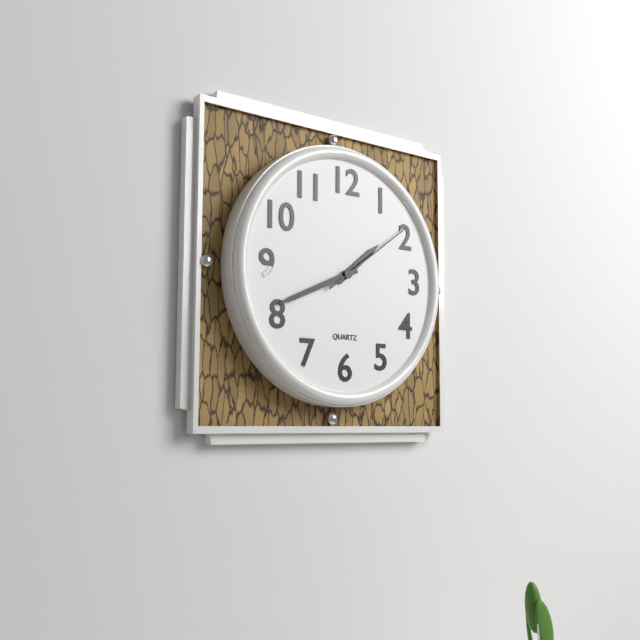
1:41:09
